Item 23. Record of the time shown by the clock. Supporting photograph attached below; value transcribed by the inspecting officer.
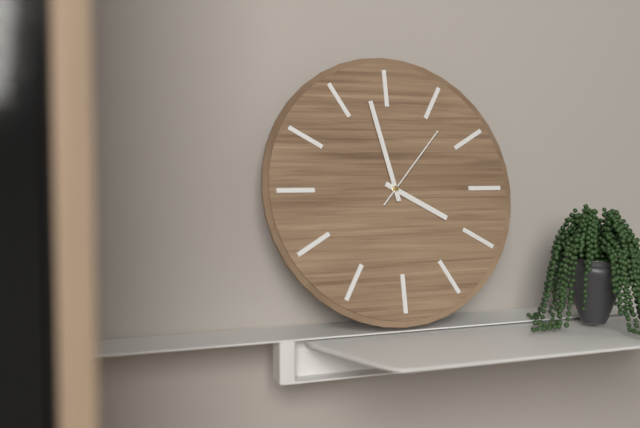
3:58:07
